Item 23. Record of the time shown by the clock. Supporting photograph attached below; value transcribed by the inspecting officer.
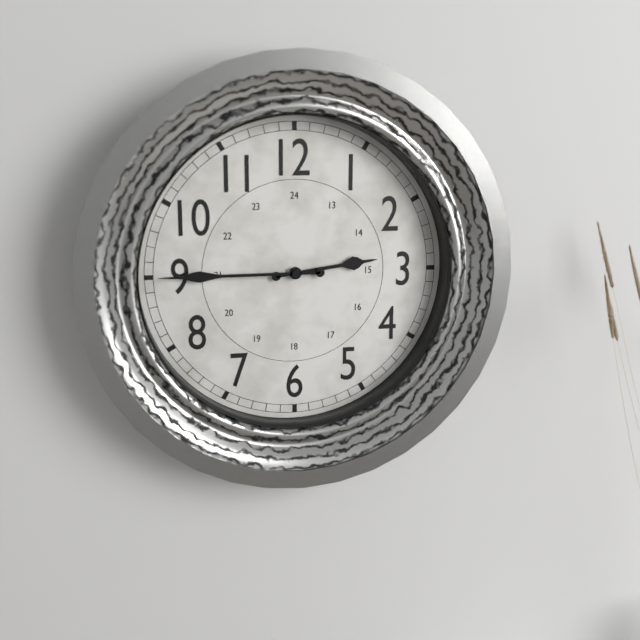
2:45
